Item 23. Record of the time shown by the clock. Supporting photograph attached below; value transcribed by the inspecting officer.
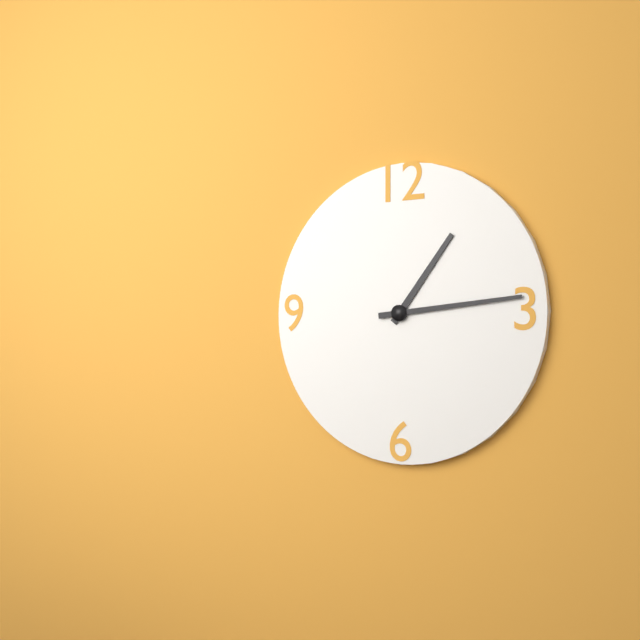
1:14
